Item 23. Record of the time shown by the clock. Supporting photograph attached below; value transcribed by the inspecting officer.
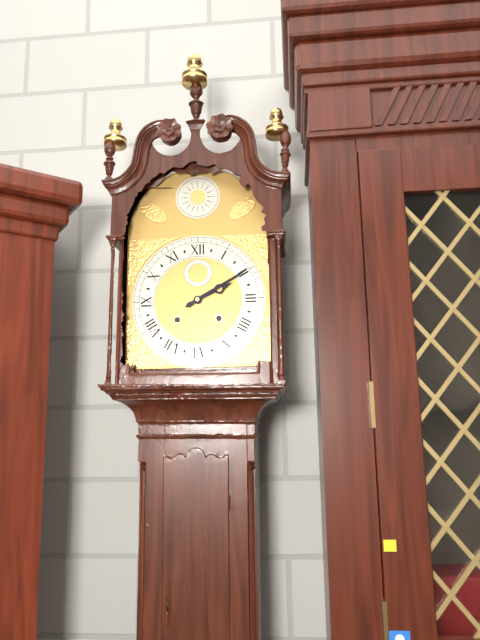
2:10
